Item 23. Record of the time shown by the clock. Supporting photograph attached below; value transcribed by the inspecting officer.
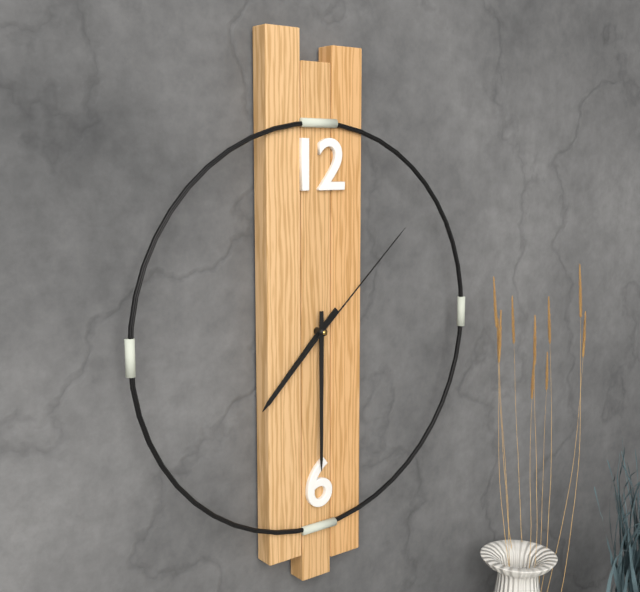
7:30:08
